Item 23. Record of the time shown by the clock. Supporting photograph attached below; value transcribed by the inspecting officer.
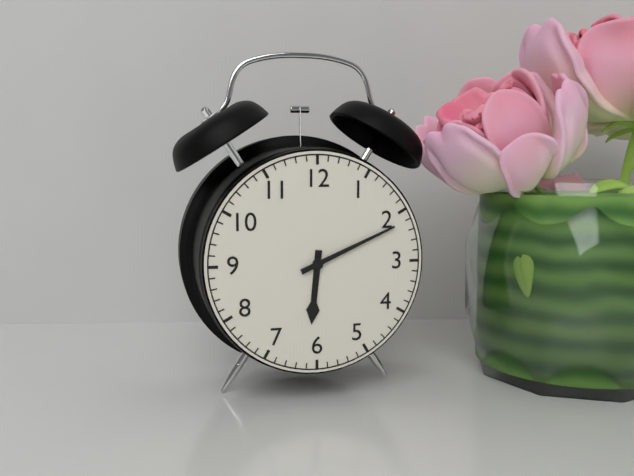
6:11
